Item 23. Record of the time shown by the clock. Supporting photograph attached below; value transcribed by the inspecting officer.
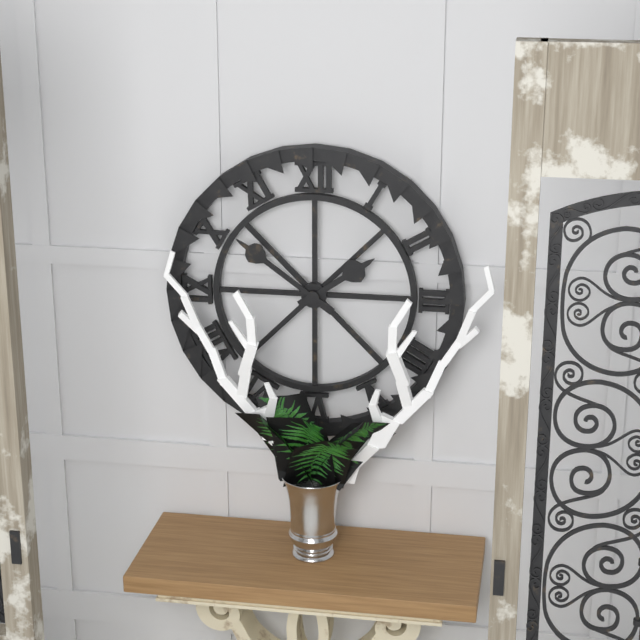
1:51
